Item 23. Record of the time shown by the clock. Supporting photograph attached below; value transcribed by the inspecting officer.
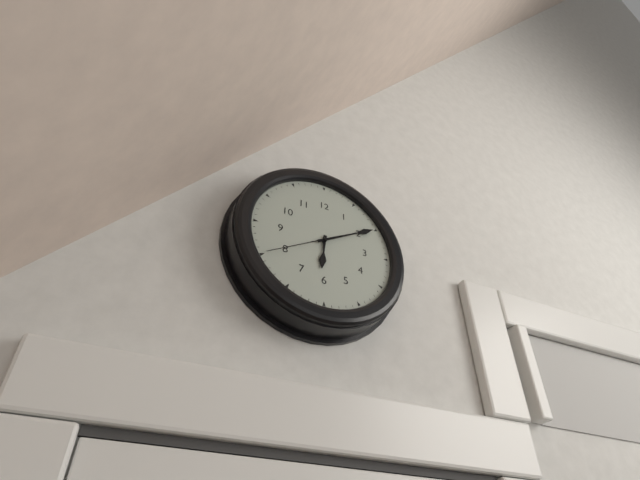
6:10:40
